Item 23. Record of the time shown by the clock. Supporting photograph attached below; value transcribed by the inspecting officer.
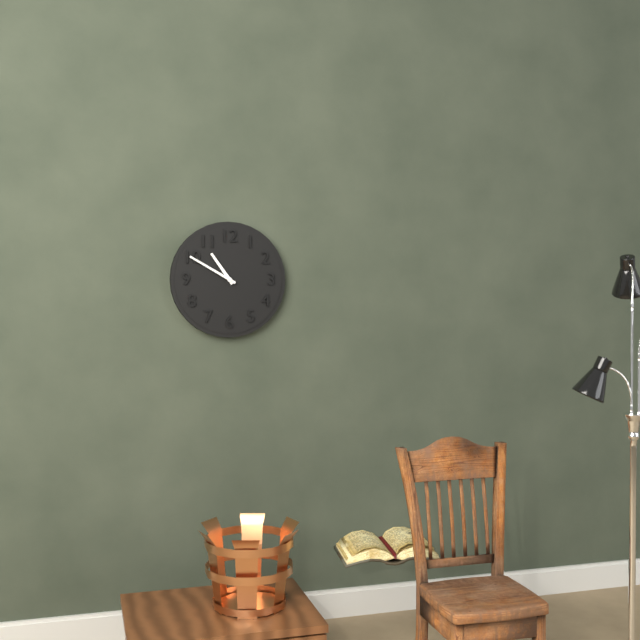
10:50
